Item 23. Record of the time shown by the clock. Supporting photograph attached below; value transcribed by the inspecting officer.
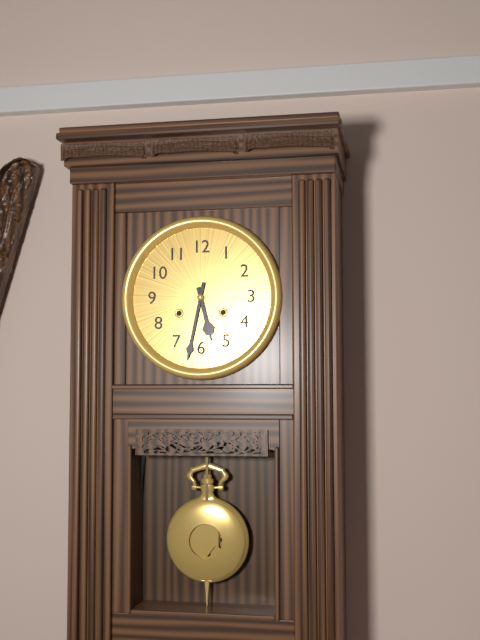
5:32
